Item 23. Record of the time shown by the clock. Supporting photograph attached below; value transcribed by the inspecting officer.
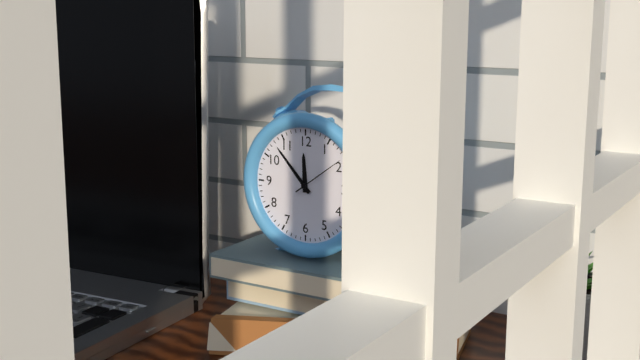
11:53:09
